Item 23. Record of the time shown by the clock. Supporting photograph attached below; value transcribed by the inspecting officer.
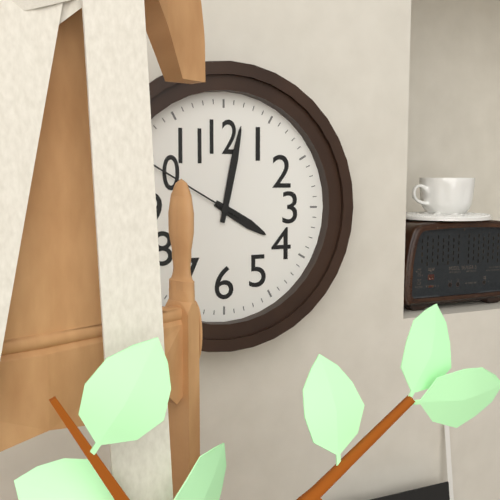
4:02:50
